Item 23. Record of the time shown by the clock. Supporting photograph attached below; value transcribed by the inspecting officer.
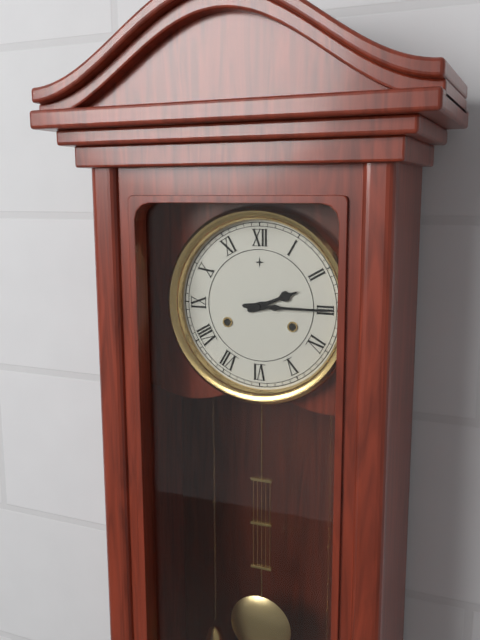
2:15
